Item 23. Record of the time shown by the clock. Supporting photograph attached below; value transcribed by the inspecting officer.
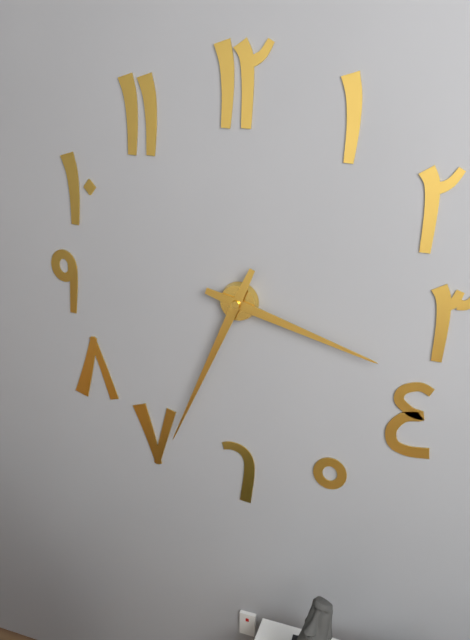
3:34
